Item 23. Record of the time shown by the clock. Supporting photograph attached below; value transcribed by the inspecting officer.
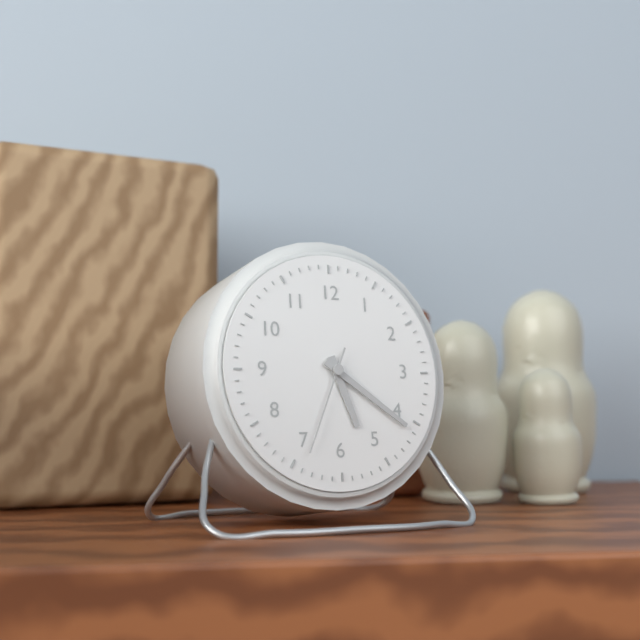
5:21:34
